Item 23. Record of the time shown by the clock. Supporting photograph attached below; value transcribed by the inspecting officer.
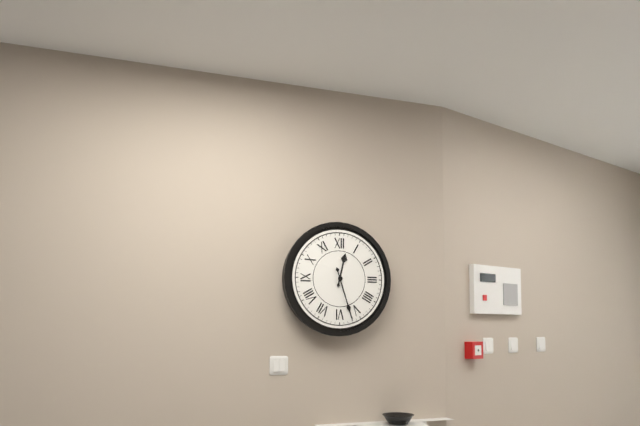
12:27
